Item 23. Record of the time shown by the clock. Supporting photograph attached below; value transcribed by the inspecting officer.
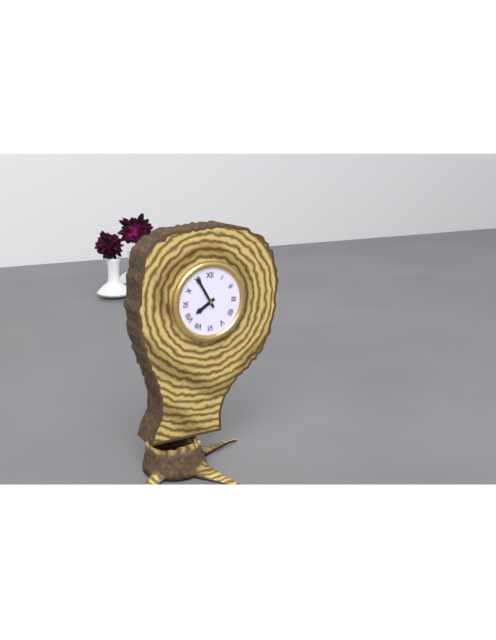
7:55
